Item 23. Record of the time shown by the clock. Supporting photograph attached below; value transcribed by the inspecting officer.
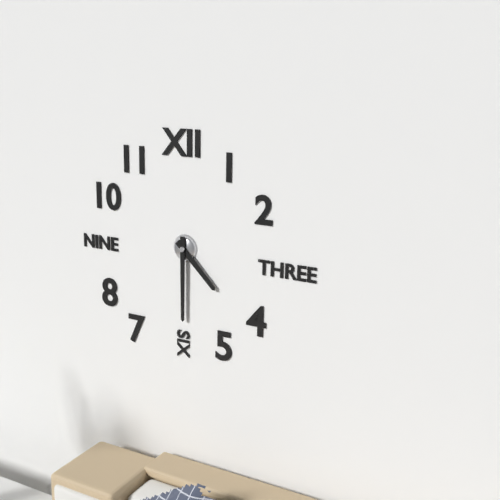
4:30
